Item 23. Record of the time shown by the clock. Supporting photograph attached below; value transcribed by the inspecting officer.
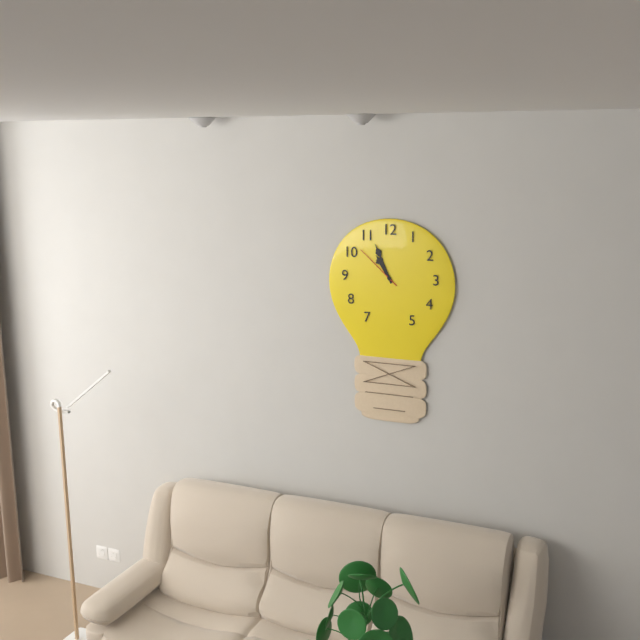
10:56:52
